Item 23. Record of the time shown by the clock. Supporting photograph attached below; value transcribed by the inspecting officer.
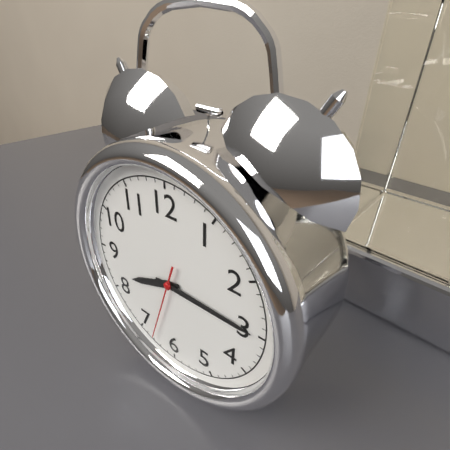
8:15:33
